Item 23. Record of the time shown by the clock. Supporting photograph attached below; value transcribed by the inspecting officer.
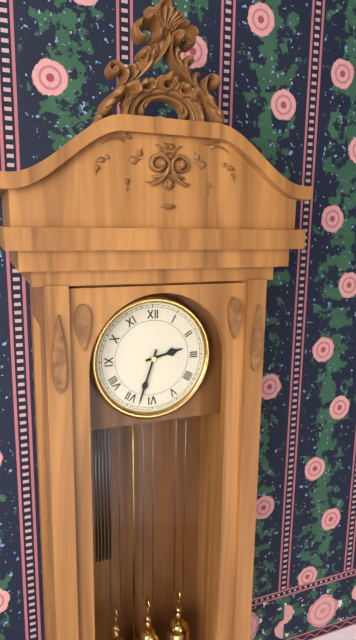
2:33
